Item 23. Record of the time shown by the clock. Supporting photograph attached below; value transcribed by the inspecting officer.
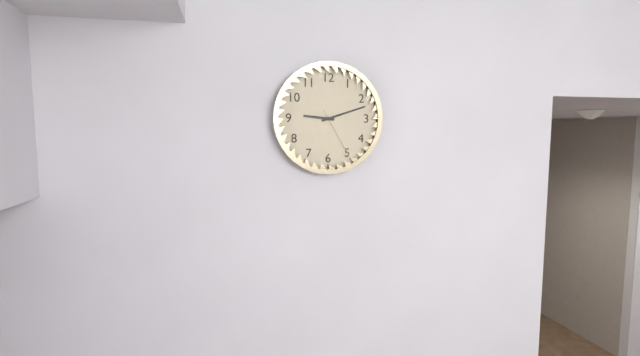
9:12:25
